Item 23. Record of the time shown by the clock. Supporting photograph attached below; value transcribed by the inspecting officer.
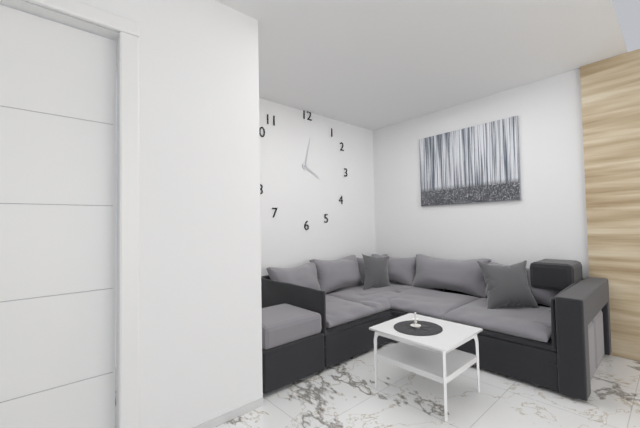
4:02
